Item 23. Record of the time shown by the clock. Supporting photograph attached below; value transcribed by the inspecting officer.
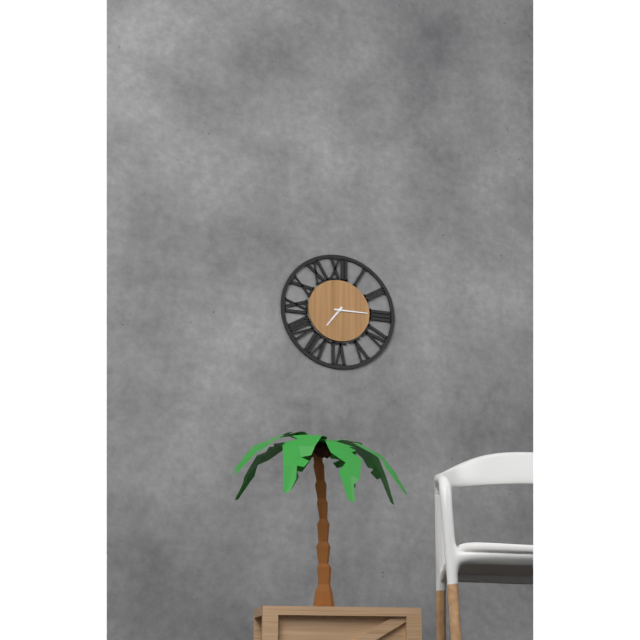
7:15
